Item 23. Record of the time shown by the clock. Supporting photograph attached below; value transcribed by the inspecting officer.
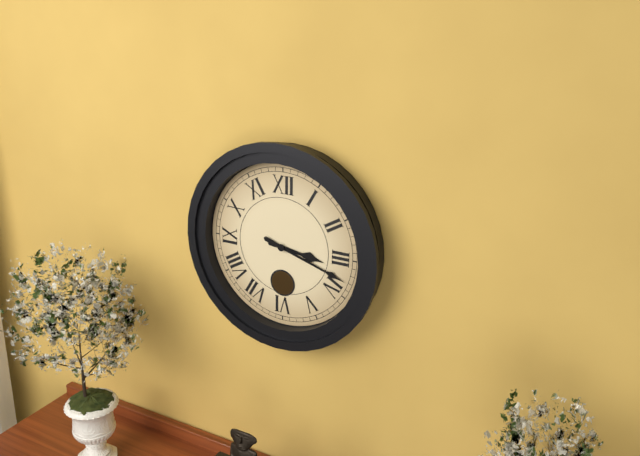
3:18
